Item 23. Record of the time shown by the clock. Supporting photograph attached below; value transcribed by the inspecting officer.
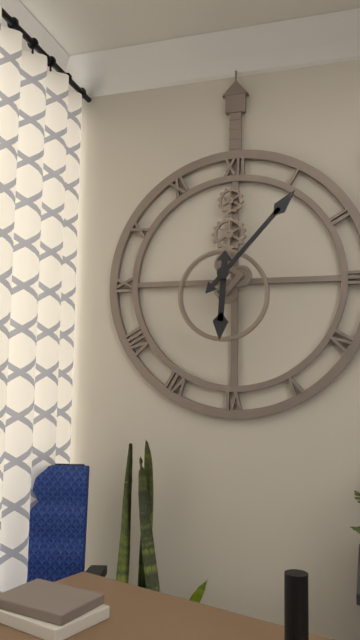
6:07
